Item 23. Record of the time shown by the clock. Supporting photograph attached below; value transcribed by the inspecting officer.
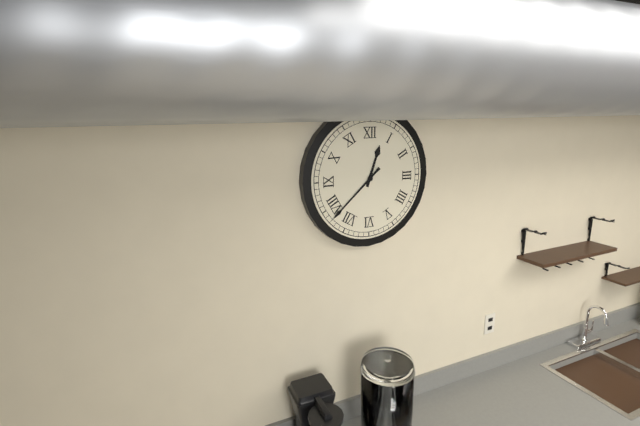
12:38
